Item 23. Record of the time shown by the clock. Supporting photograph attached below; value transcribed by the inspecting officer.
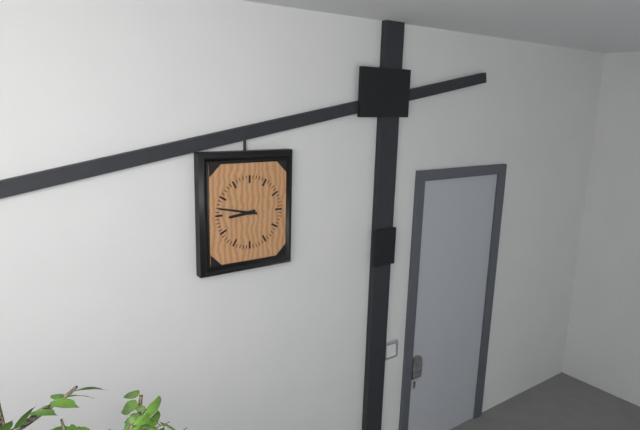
8:47
